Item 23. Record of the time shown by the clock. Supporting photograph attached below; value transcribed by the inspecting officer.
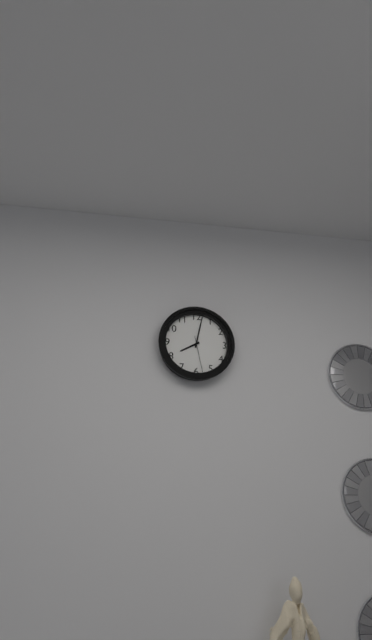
8:02
